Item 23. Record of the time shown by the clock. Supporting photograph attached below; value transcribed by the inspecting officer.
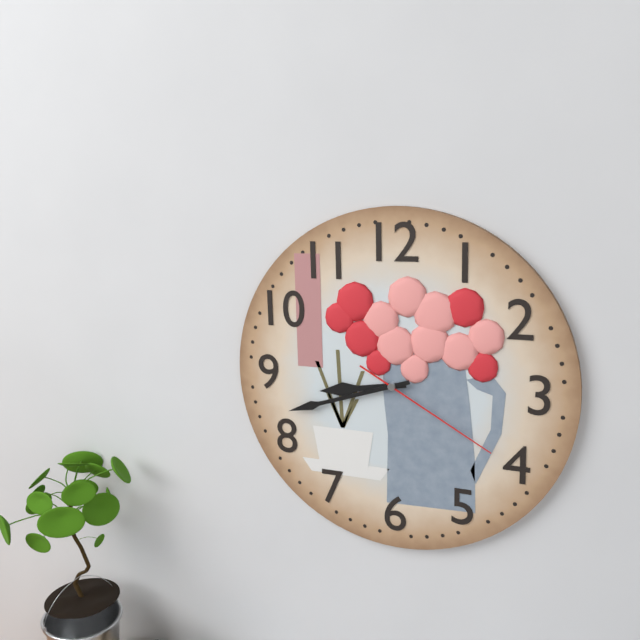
8:42:20
